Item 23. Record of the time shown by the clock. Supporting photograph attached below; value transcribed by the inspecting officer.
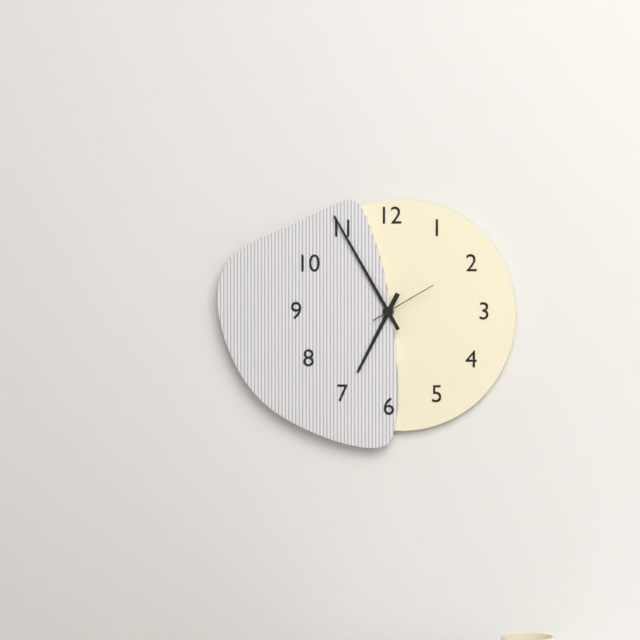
6:55:10
